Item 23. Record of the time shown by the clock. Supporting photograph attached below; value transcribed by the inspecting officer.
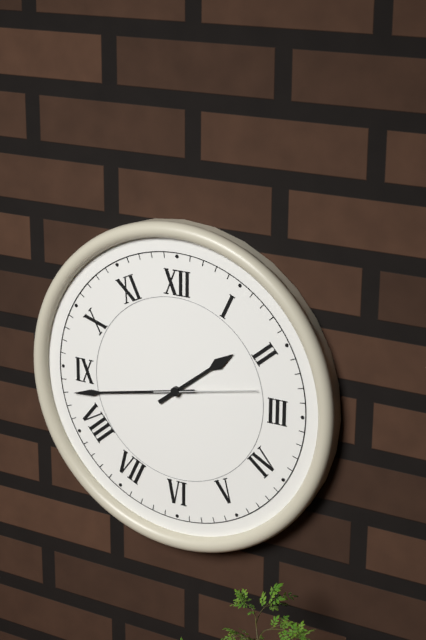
1:43:13
